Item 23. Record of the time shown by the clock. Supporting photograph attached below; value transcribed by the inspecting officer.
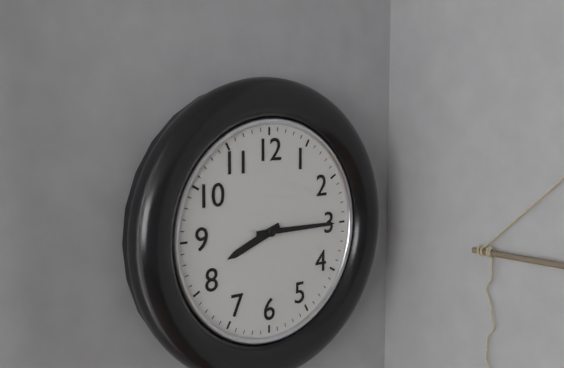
8:15
